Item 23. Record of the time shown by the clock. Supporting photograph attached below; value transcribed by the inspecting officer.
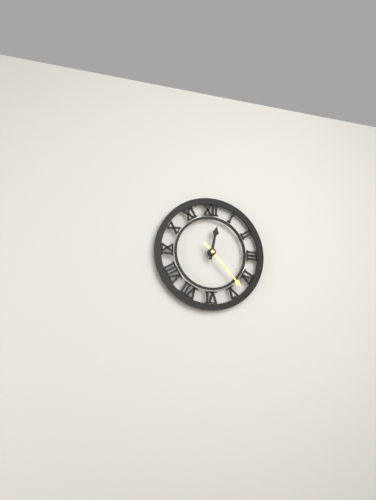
12:23
